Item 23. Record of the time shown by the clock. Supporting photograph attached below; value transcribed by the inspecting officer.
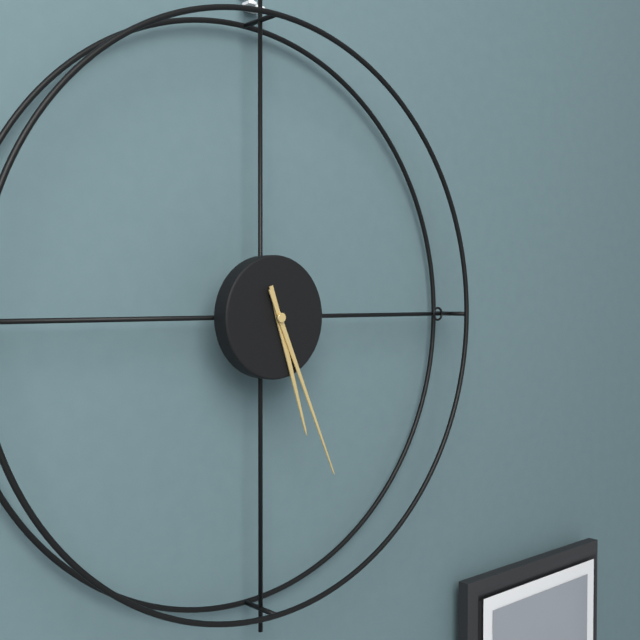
5:26
